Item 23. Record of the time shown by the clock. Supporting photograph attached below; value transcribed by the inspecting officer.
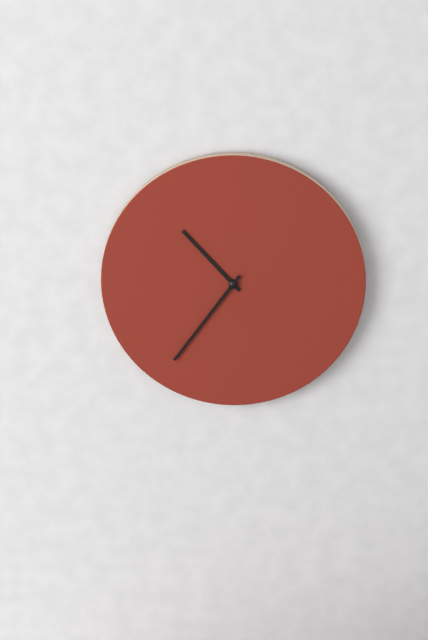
10:36
